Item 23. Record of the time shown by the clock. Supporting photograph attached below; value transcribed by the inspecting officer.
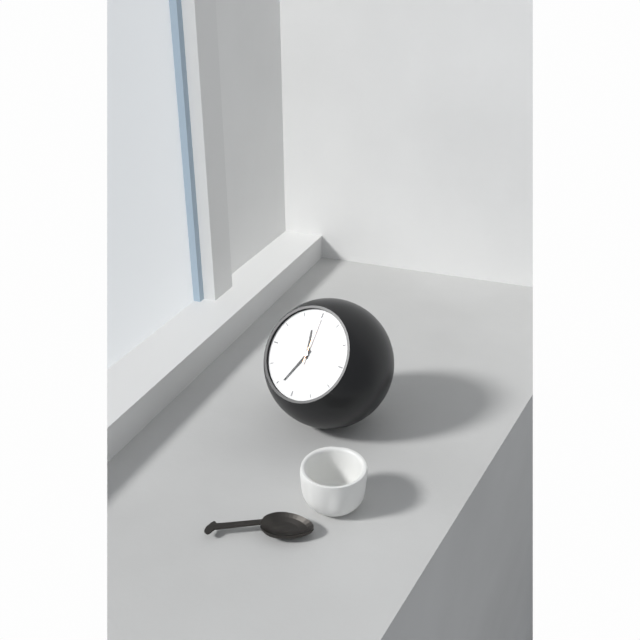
11:34:00
